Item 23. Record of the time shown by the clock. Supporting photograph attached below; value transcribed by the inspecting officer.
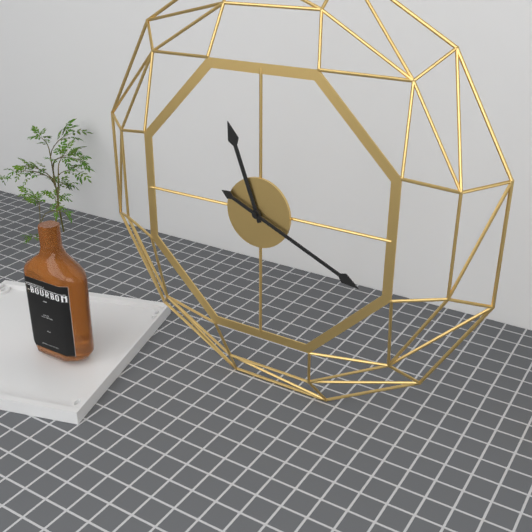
11:19
